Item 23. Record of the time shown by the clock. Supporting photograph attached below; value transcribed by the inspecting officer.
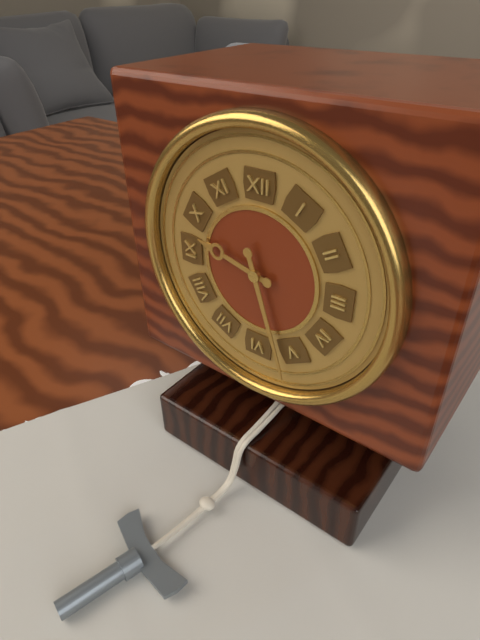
9:27
